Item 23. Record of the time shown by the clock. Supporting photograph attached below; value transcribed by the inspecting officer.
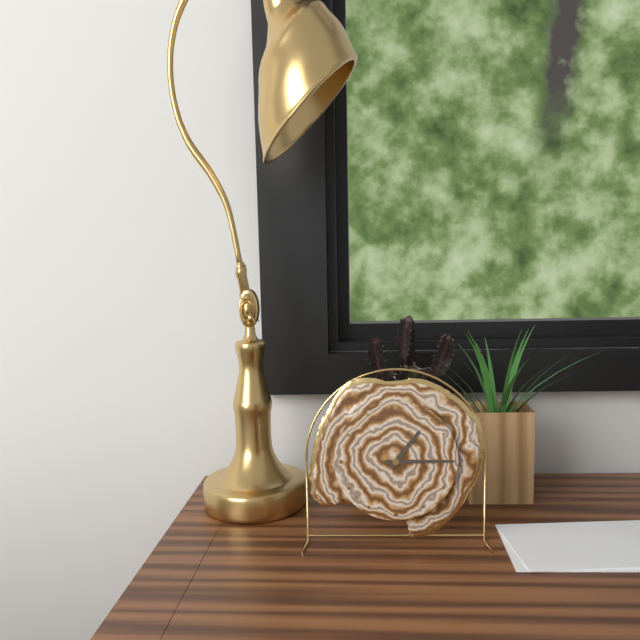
1:15
